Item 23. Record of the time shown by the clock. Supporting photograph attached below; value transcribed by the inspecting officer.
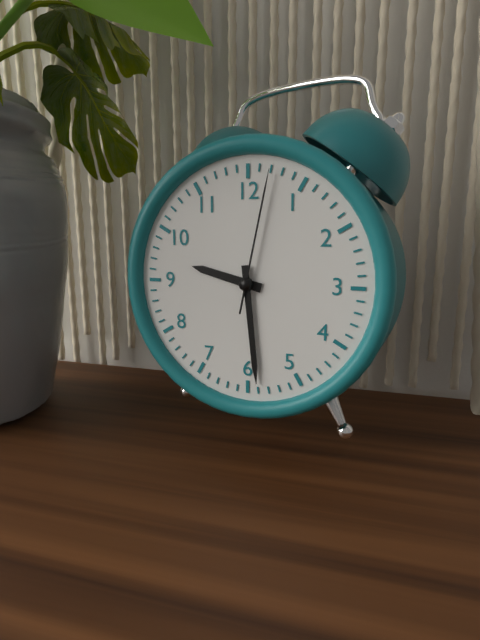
9:29:02
